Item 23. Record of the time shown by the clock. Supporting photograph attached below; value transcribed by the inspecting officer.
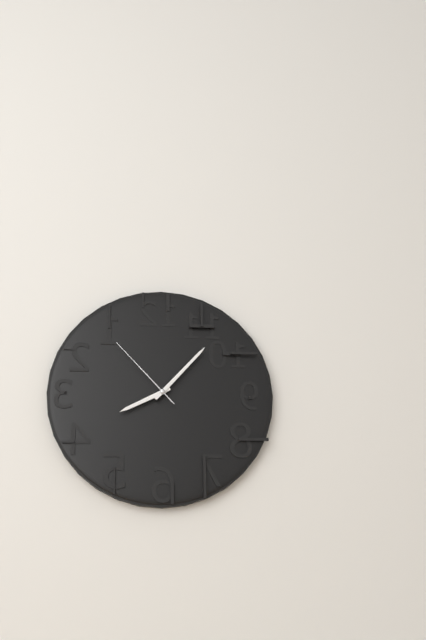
8:07:53
